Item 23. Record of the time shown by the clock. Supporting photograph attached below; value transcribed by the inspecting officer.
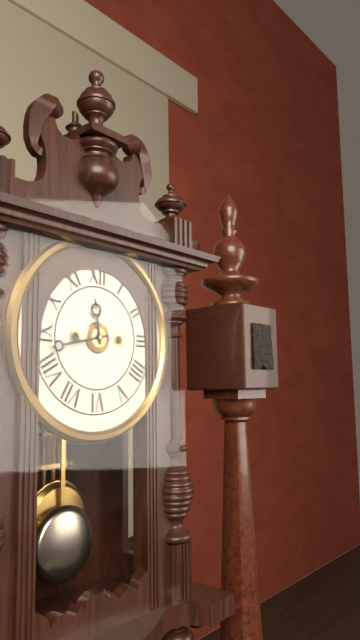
11:43
